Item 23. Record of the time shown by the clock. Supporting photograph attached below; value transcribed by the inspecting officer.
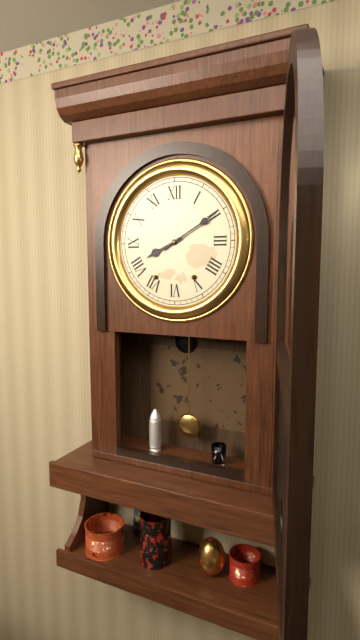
8:10
